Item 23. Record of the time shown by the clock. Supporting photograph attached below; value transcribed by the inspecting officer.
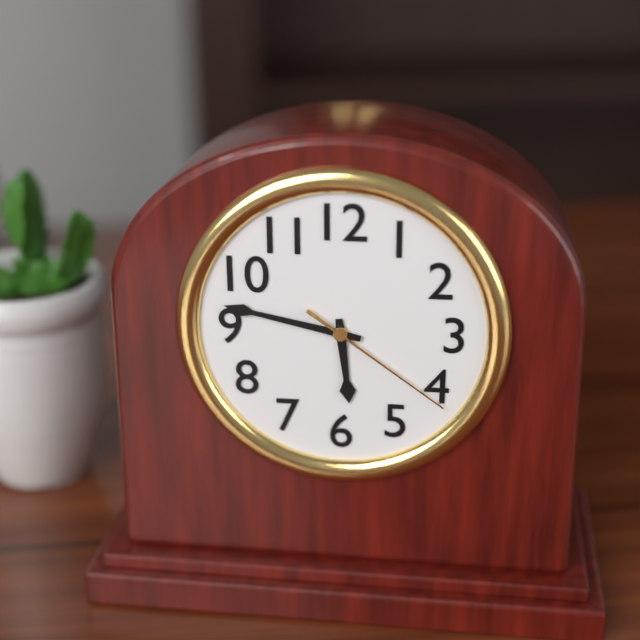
5:47:21
